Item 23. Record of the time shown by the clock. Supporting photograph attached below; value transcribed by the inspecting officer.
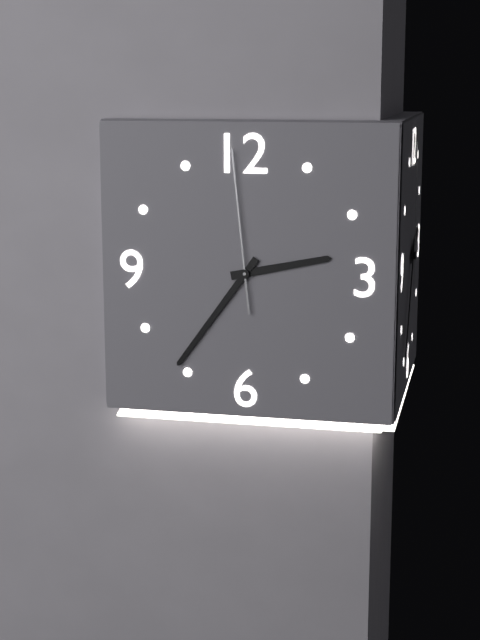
2:36:59
